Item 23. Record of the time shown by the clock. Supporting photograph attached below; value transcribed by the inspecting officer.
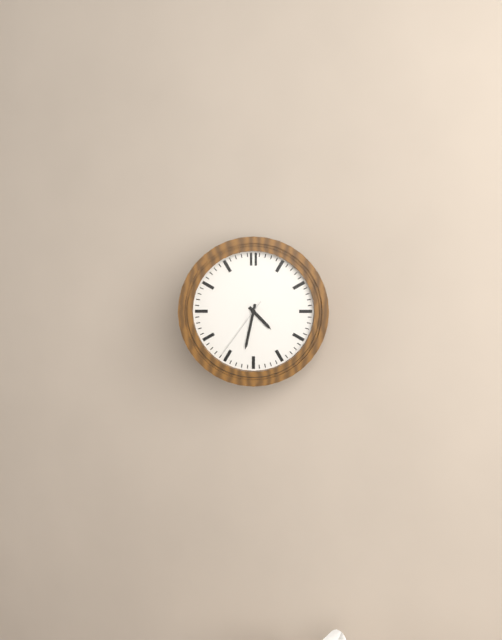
4:32:36
